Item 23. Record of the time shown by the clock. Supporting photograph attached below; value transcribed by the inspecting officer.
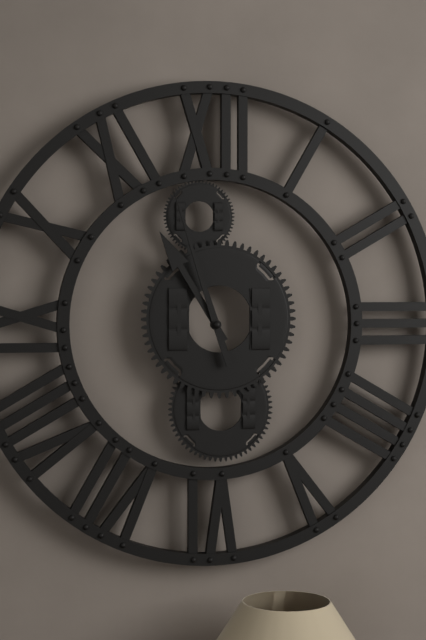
10:57
